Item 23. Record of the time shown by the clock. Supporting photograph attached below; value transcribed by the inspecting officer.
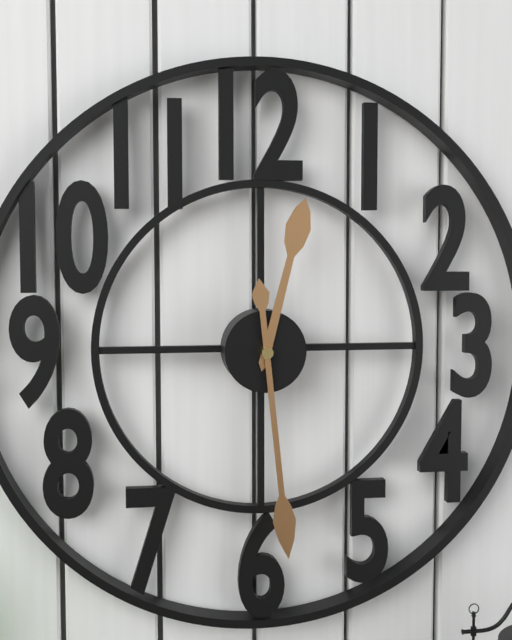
12:29
